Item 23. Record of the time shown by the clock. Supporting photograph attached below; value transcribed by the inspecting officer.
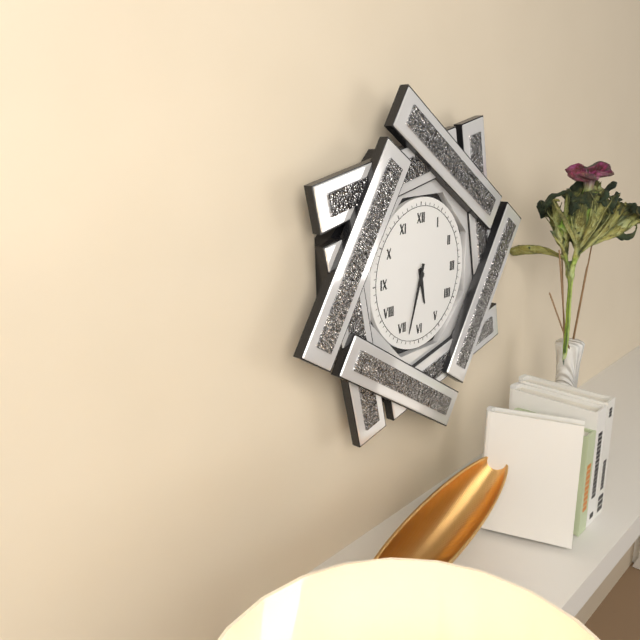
5:33
